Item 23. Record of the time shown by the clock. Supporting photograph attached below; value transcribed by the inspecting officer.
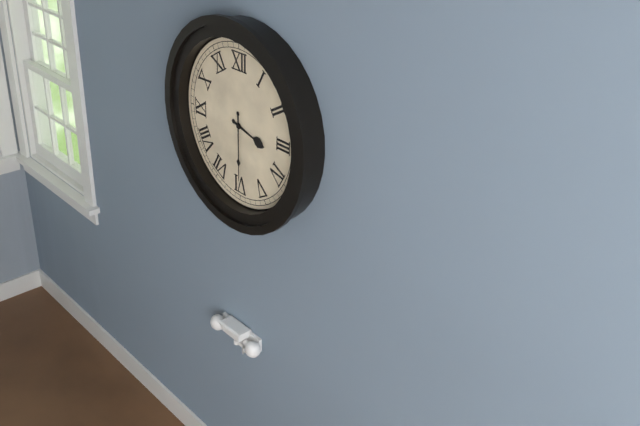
3:30
